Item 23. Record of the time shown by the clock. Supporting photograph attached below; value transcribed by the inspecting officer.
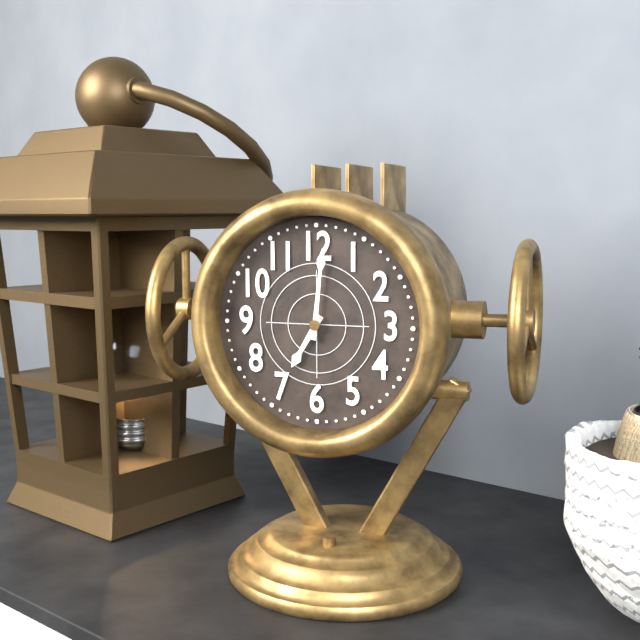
7:01
